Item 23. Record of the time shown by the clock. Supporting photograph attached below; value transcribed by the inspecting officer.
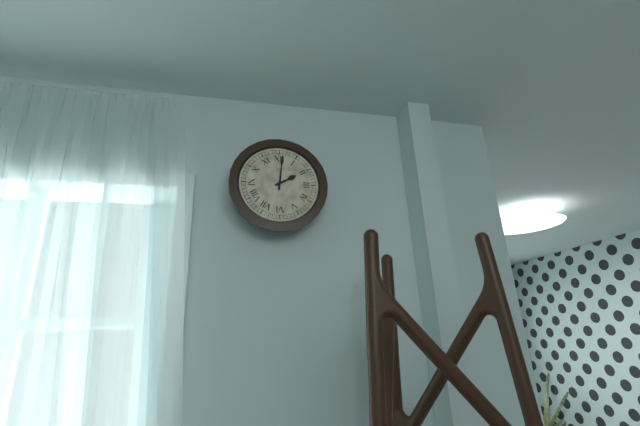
2:01
